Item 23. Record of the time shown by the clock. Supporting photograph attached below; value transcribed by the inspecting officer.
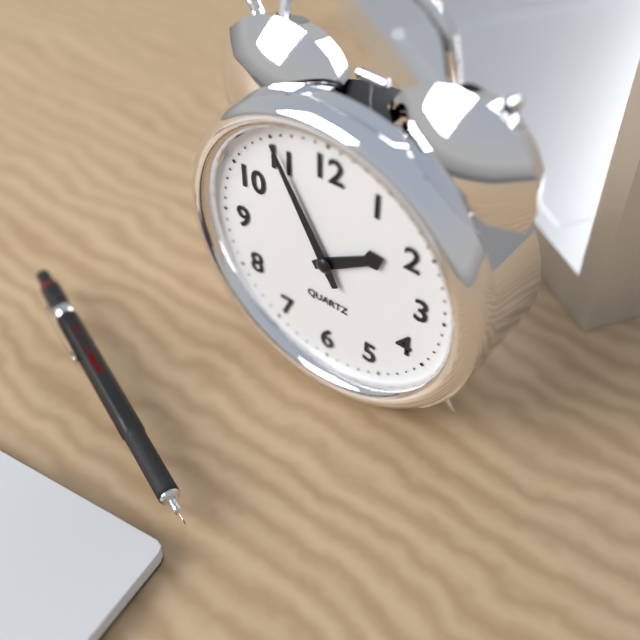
1:55
